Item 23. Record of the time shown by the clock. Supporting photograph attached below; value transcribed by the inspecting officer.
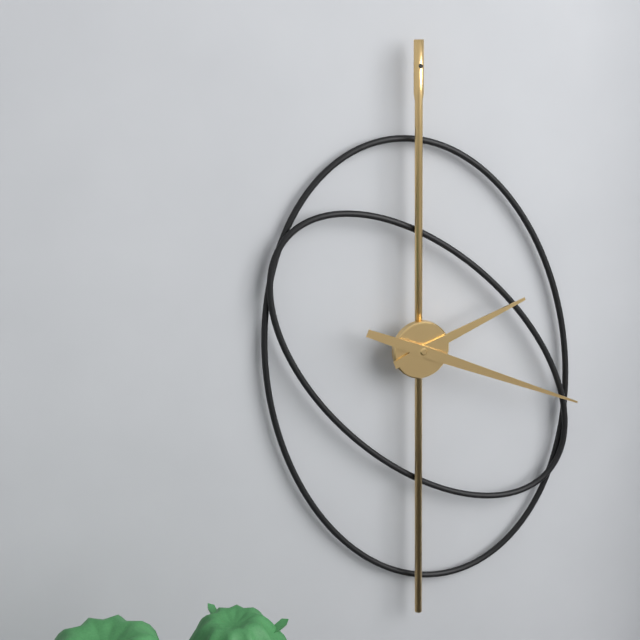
2:19
